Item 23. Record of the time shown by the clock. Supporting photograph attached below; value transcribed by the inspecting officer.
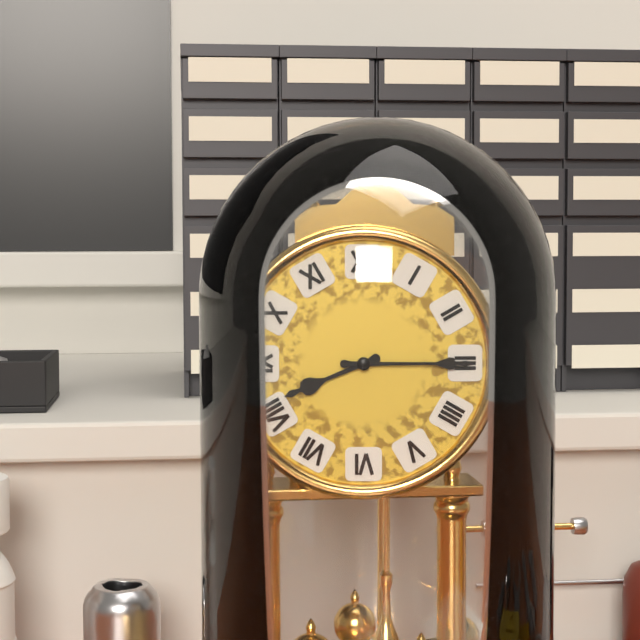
8:15
